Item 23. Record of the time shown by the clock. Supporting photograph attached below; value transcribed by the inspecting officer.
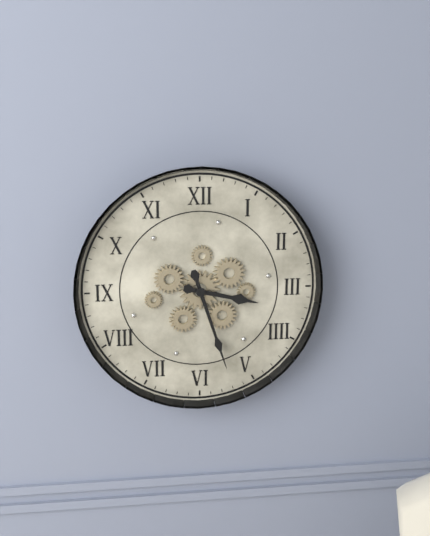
3:27
